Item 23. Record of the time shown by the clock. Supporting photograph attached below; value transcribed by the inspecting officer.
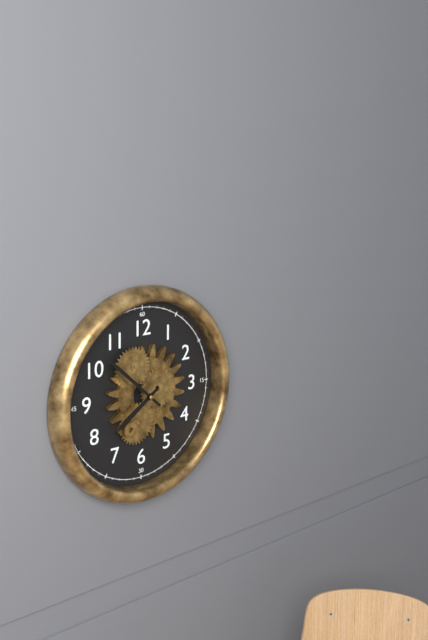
7:52
